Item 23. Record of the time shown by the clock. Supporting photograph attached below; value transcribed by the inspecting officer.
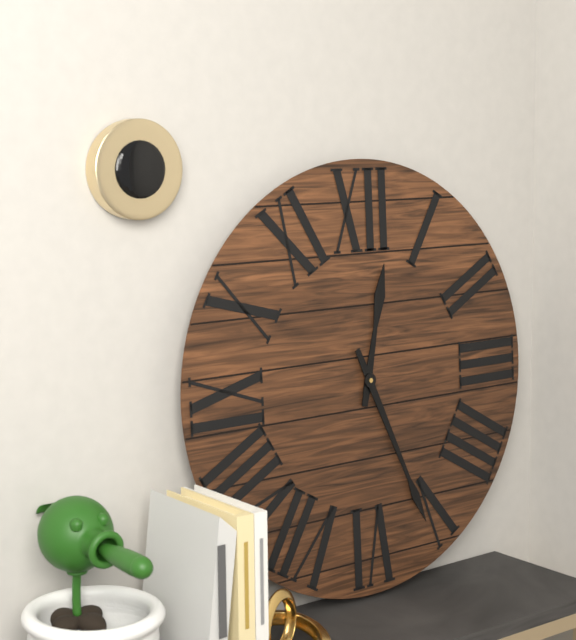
12:26
